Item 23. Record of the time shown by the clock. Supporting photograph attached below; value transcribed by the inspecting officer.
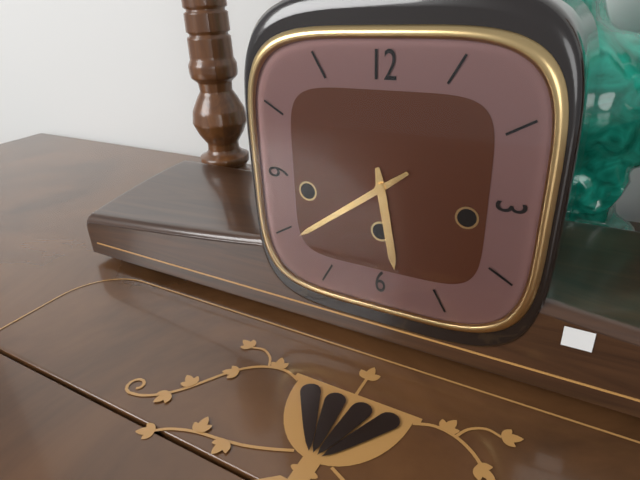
5:39
